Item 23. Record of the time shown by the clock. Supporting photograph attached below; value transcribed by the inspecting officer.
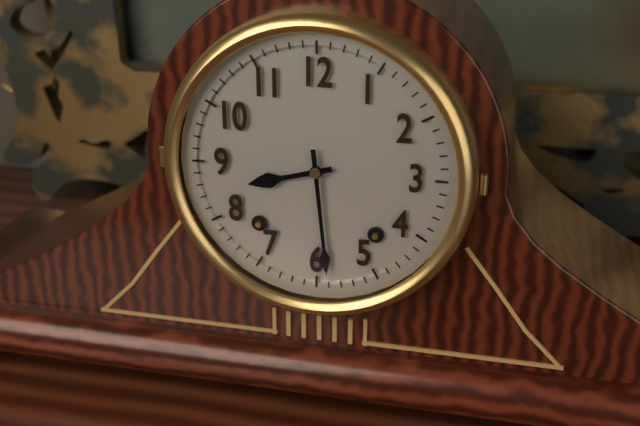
8:29
